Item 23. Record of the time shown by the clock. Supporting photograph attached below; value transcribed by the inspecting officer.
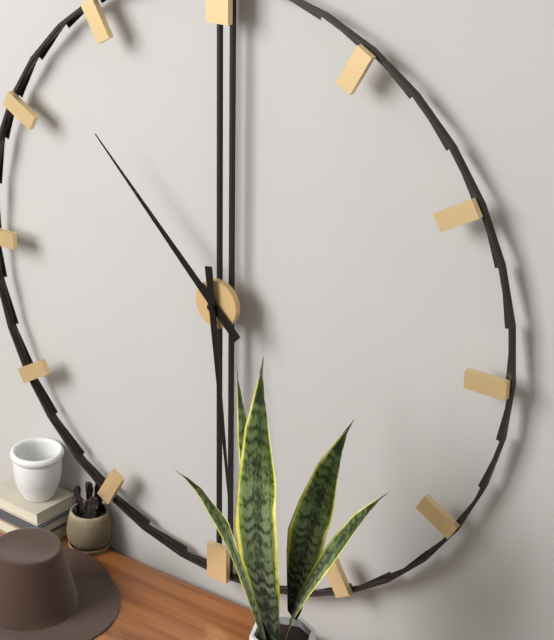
10:29
